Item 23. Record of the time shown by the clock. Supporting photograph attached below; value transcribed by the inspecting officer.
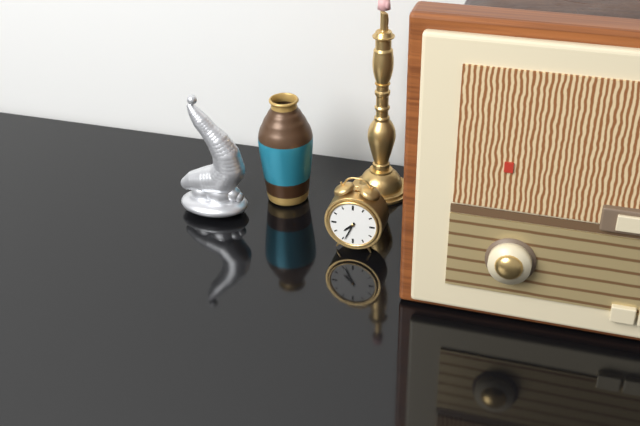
7:34
